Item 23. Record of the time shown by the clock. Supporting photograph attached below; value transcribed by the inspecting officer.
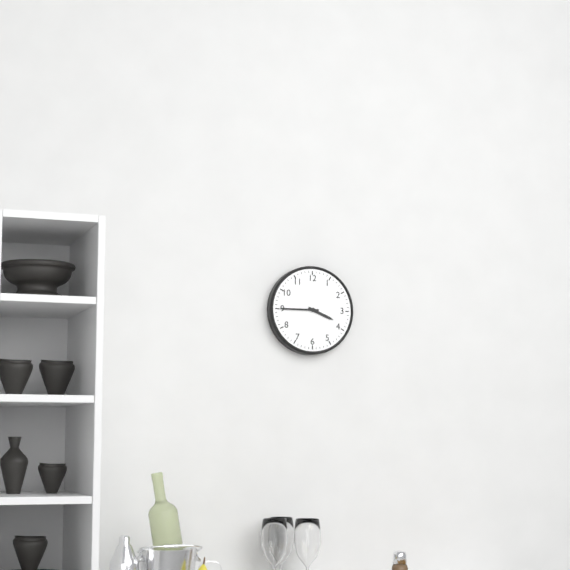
3:45
